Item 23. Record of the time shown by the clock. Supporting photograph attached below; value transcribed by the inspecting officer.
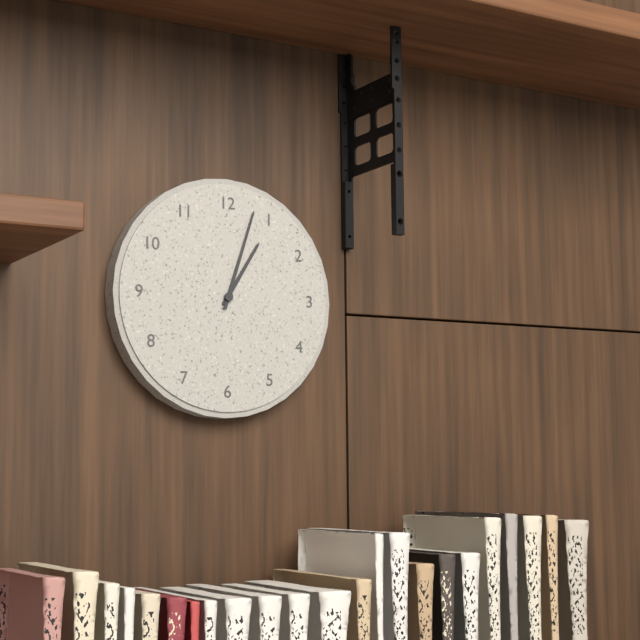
1:03
